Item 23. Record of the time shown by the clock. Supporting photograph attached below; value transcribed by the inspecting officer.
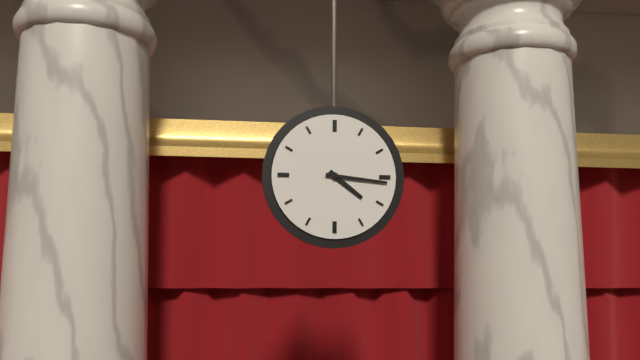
4:16
